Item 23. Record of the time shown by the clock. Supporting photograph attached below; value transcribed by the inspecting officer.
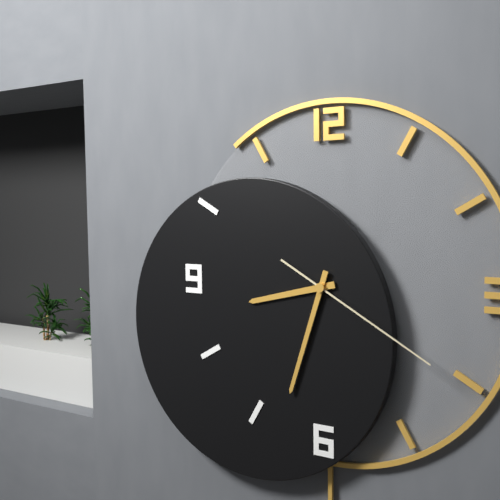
8:33:20
